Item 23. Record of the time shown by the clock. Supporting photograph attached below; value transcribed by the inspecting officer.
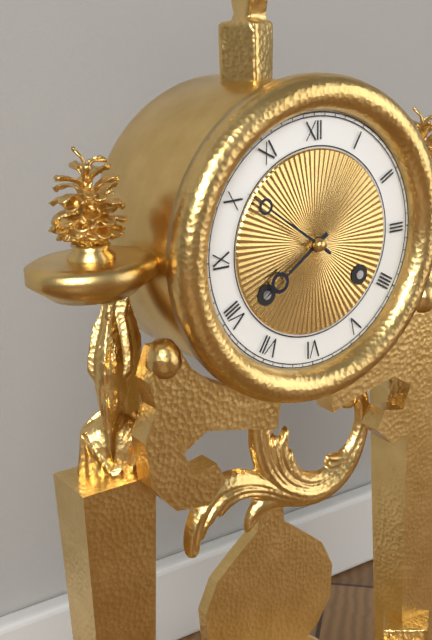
7:51
